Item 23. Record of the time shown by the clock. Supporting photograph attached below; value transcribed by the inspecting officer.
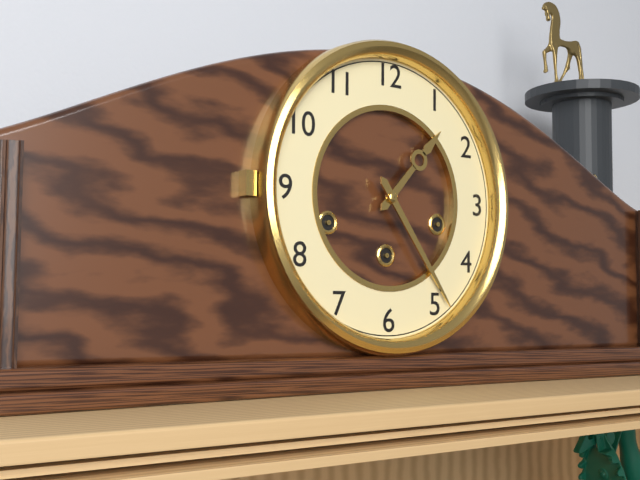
1:24
